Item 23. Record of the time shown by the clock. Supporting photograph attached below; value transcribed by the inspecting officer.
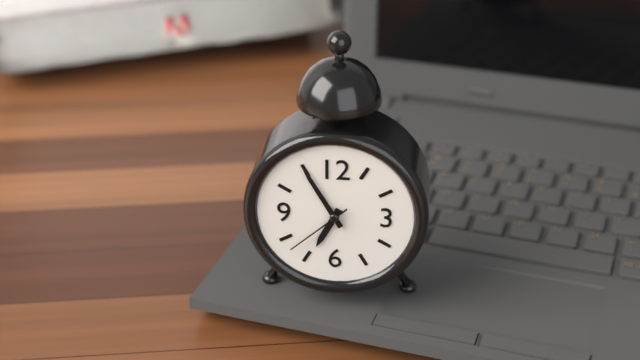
6:55:38
